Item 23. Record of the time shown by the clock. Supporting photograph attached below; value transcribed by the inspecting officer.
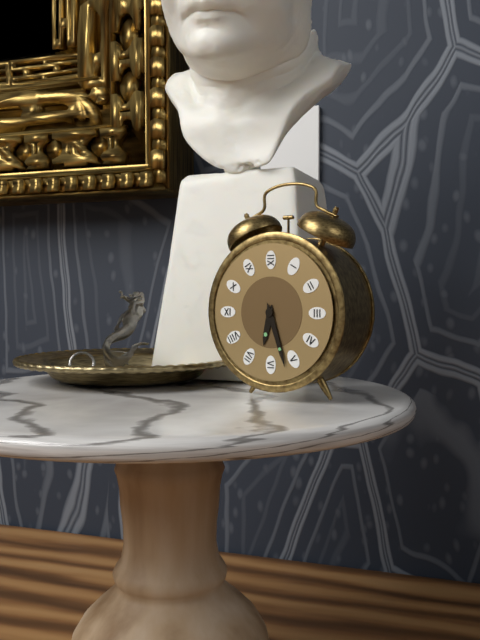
6:27
